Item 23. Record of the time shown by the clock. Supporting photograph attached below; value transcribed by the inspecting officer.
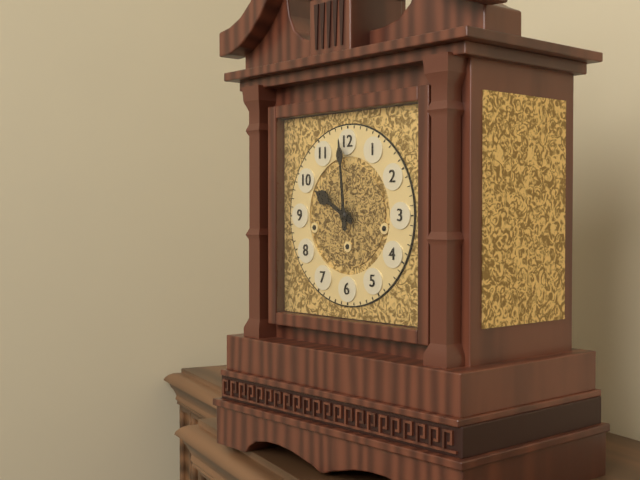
9:59
